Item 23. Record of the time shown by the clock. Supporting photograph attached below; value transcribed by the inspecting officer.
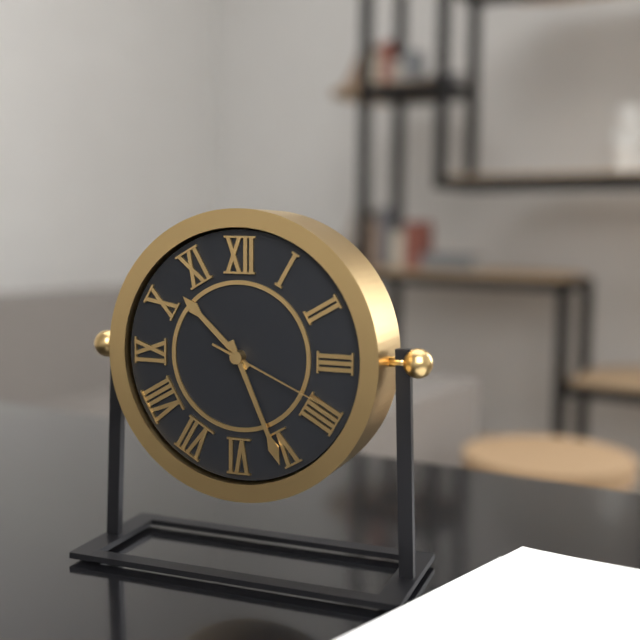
10:26:19
